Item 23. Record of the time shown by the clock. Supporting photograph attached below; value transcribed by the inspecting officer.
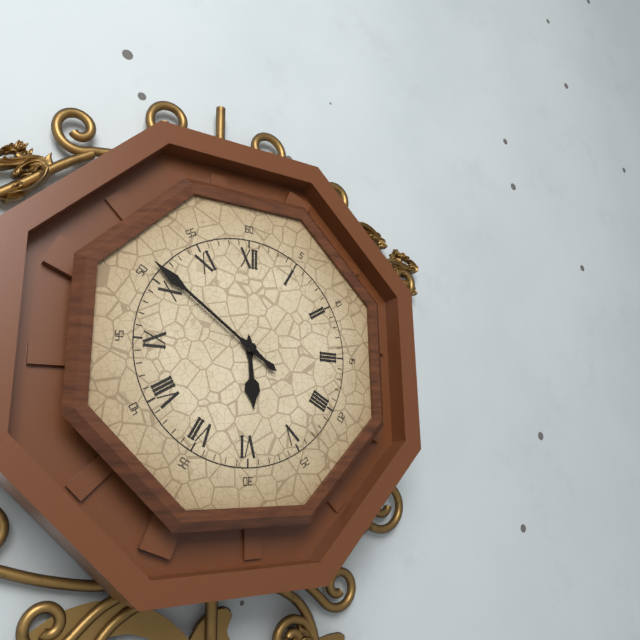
5:51
